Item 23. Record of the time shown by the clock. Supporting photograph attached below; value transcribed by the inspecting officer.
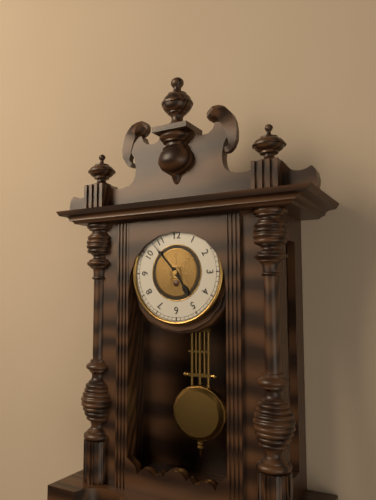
4:53
